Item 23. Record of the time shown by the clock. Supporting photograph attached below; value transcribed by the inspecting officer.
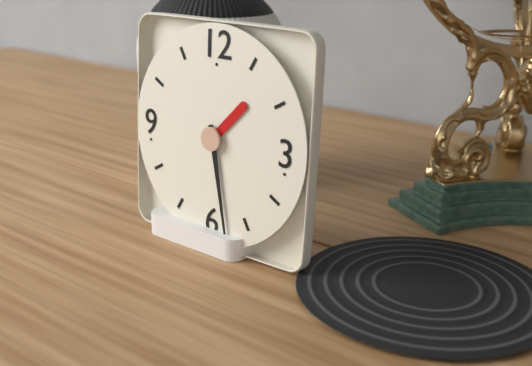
1:28
